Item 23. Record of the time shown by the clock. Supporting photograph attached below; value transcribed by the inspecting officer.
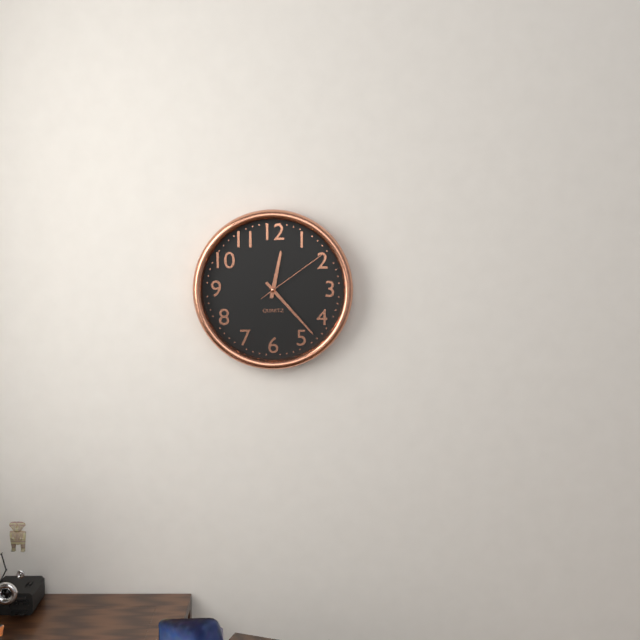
12:23:09
